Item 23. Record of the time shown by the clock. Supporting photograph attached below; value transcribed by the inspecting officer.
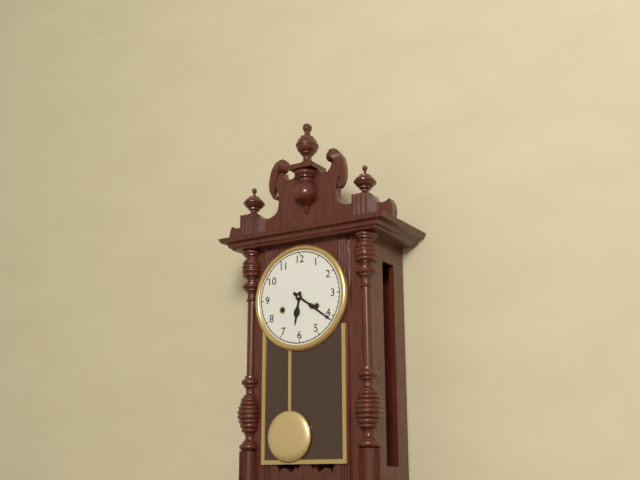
6:21
